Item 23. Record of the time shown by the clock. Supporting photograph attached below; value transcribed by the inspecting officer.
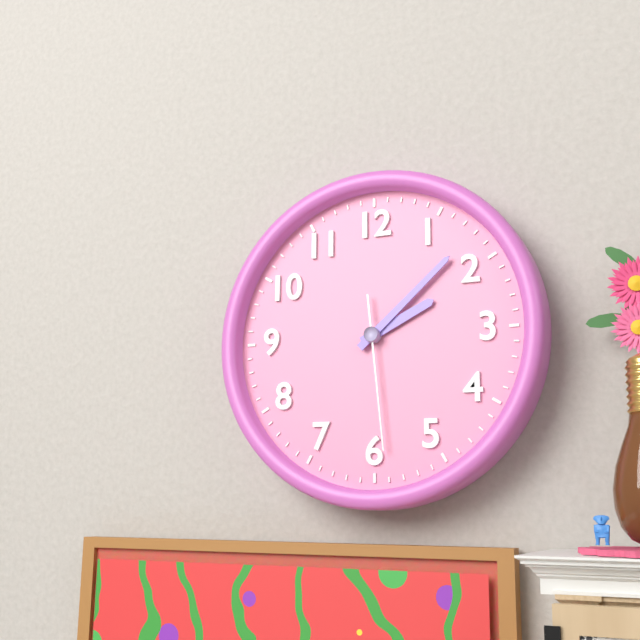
2:08:29
